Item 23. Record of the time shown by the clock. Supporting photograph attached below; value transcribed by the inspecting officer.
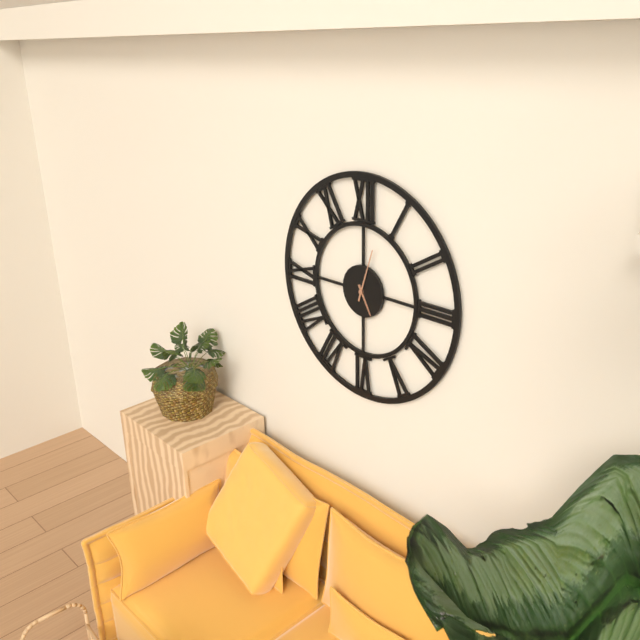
5:03
